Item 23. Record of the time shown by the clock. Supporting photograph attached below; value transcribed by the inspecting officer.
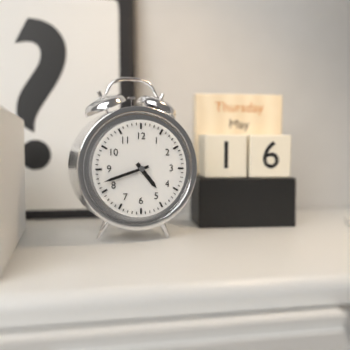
4:42
